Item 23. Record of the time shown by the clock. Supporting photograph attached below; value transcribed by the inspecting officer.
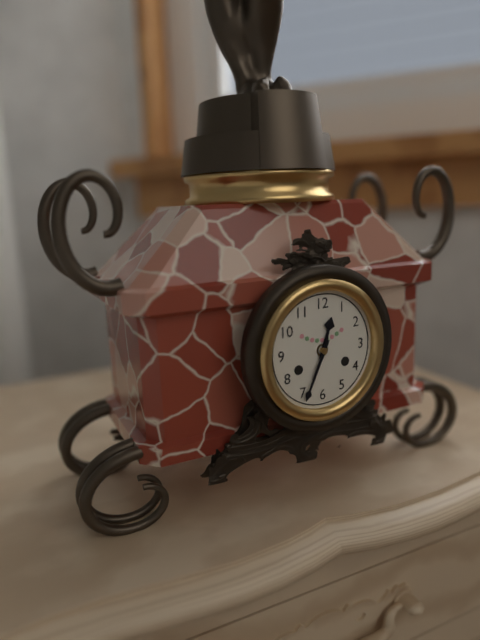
12:34
